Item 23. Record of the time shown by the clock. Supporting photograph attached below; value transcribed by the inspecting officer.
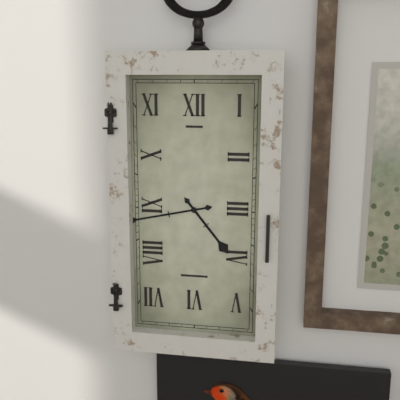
4:43
